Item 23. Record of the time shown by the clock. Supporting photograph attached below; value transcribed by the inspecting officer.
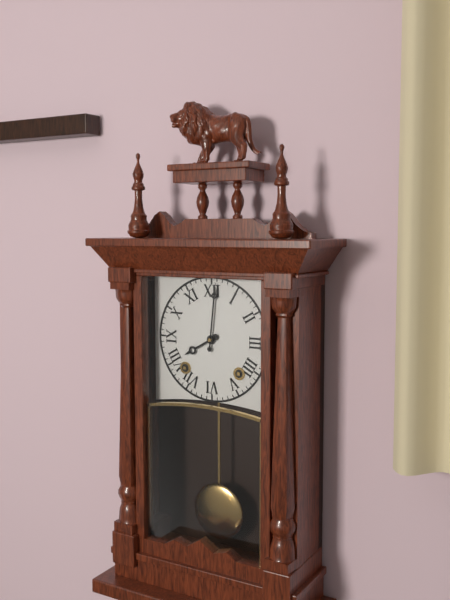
8:01
